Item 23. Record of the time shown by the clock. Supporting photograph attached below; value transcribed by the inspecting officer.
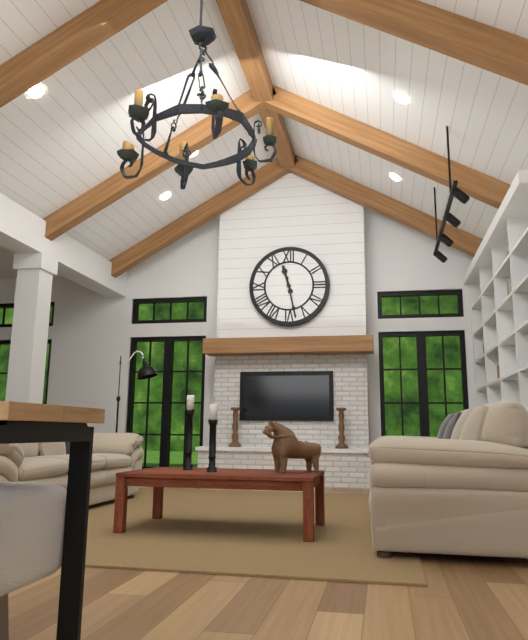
11:28
